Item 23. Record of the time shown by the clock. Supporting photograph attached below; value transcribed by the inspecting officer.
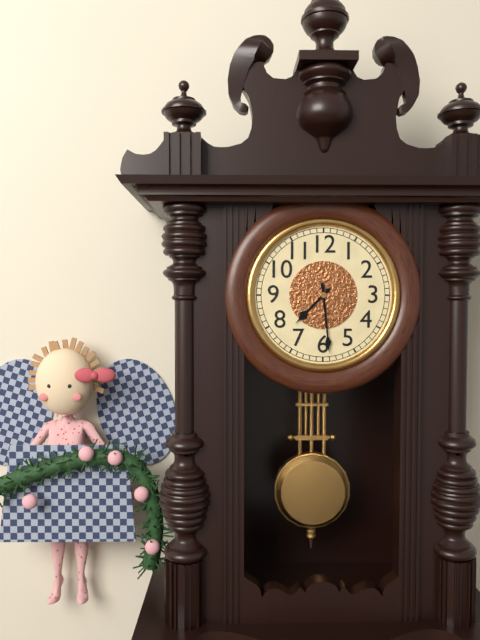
7:29
